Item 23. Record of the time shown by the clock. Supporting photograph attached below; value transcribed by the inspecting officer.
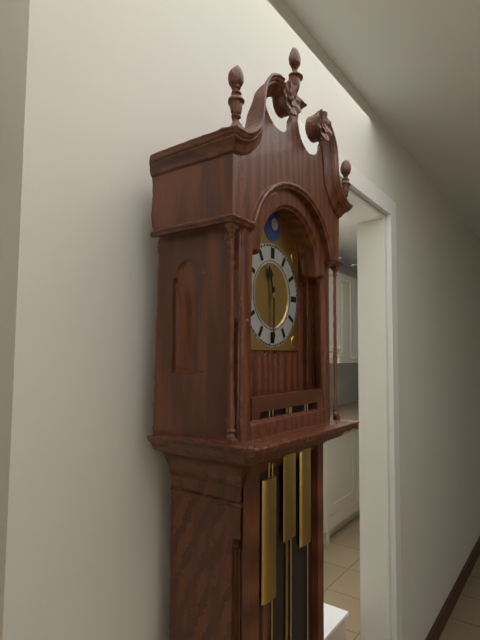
11:30
